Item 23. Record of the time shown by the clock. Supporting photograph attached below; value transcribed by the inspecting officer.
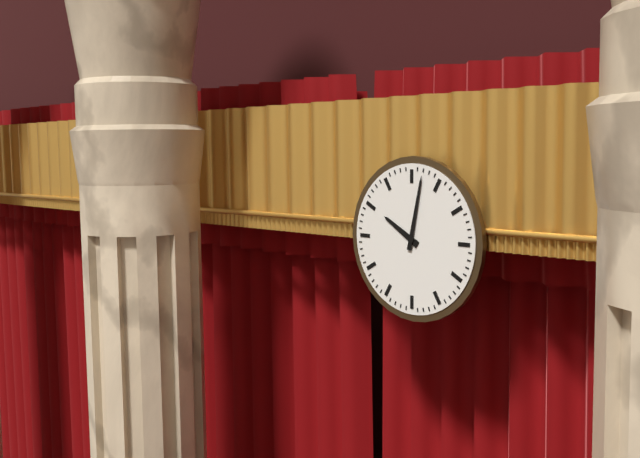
10:02
